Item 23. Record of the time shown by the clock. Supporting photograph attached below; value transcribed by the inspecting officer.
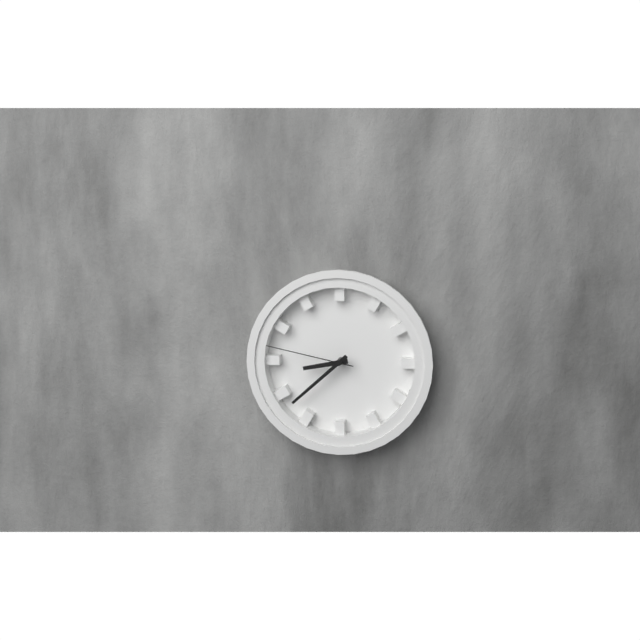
8:38:47
